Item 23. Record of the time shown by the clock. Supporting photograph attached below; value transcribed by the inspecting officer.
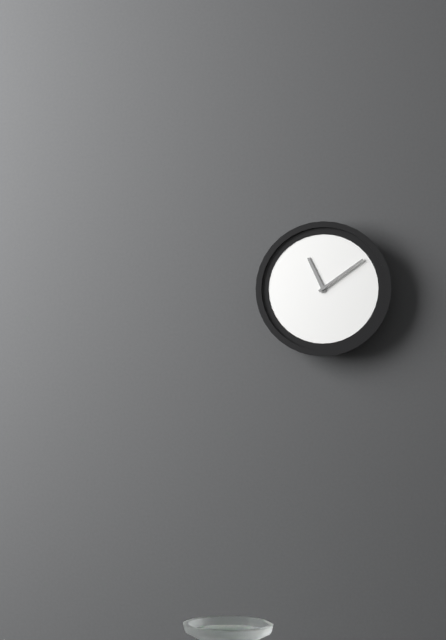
11:09
